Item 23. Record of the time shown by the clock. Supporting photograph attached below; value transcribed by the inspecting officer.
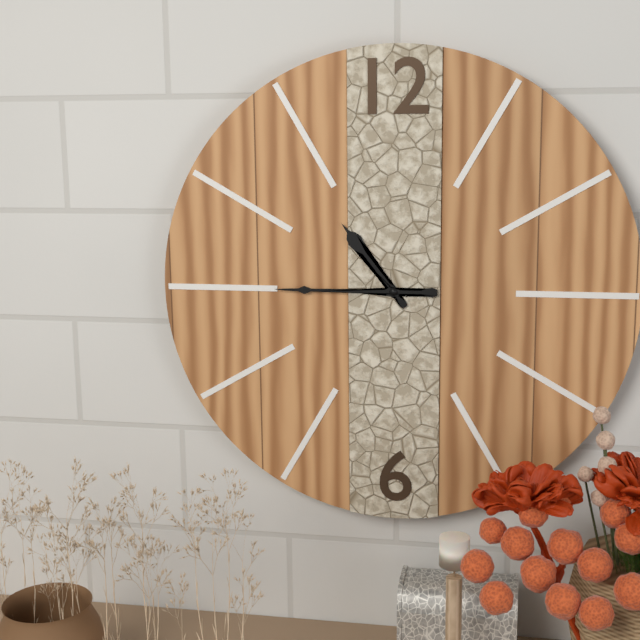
10:45
